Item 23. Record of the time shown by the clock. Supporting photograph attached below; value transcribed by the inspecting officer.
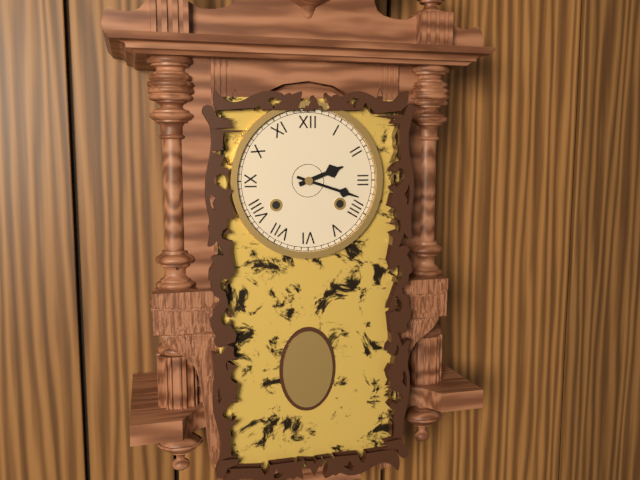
2:18
